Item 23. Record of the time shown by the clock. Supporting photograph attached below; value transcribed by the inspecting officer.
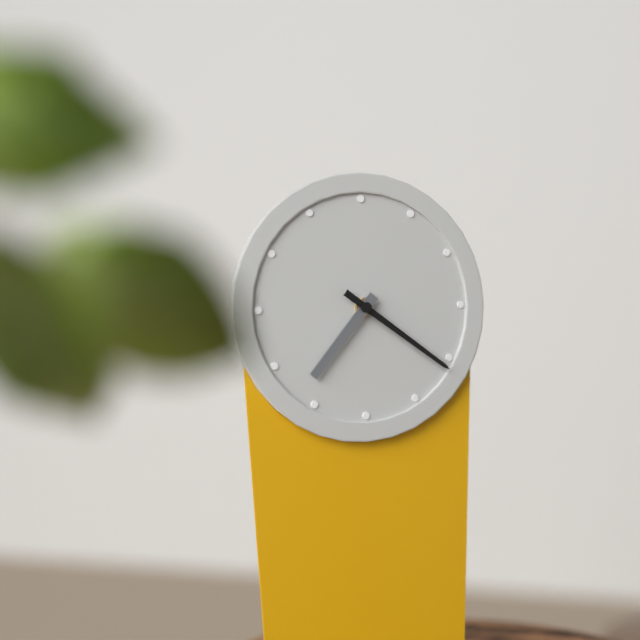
7:21
